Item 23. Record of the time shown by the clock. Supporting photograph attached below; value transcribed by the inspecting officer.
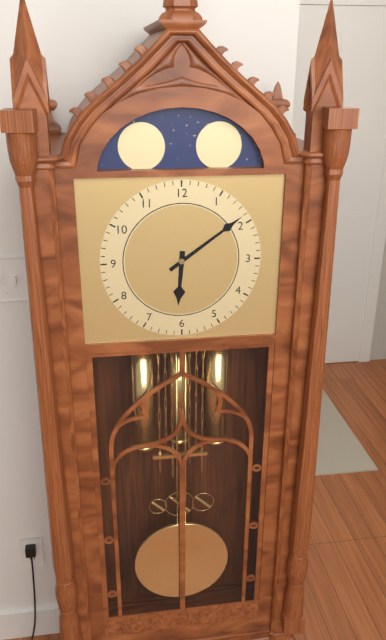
6:09
